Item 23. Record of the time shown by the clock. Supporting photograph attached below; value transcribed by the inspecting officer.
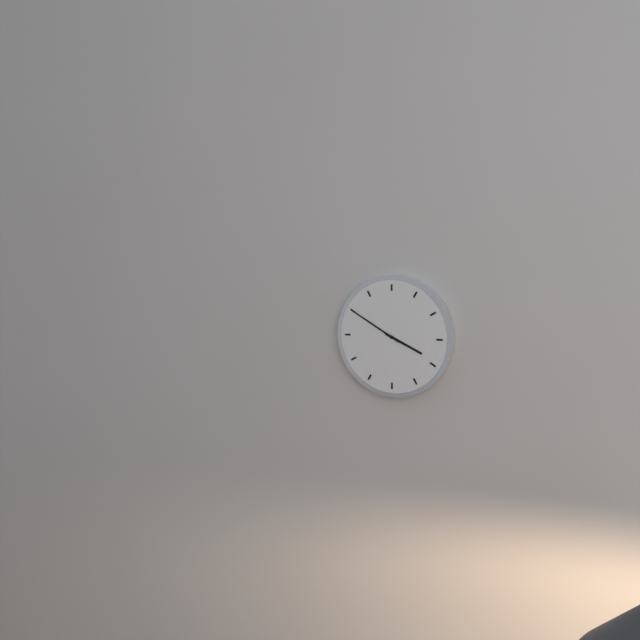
3:50
